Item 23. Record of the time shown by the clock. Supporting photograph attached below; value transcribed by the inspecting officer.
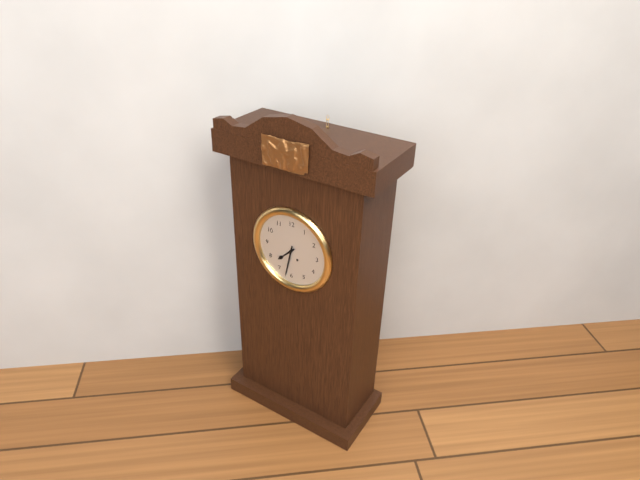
7:32
